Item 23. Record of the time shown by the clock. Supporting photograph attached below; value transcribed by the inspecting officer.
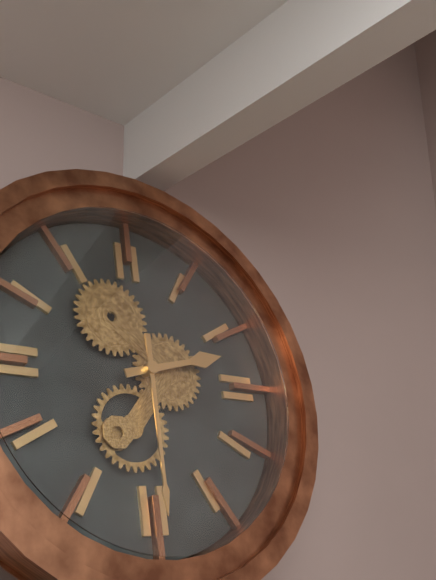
2:30
